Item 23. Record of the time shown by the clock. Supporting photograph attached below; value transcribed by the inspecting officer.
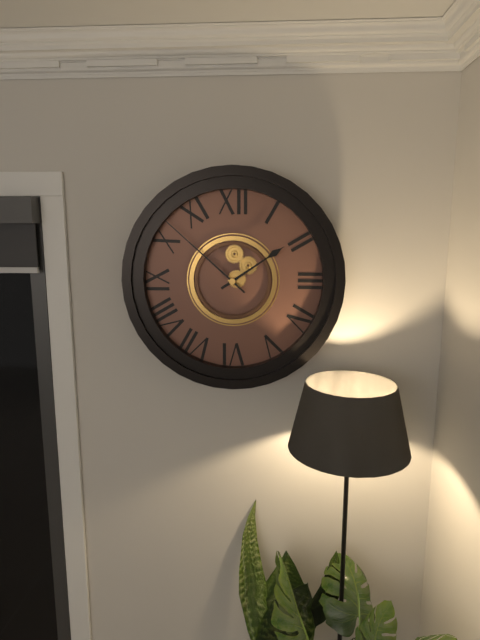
1:52
